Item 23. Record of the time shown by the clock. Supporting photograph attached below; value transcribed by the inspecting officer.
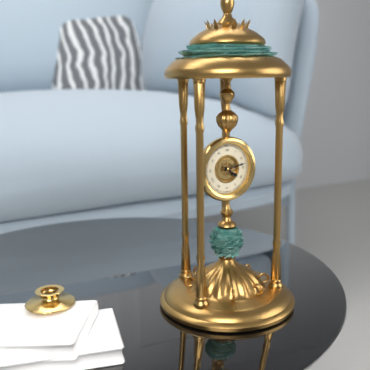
4:13
